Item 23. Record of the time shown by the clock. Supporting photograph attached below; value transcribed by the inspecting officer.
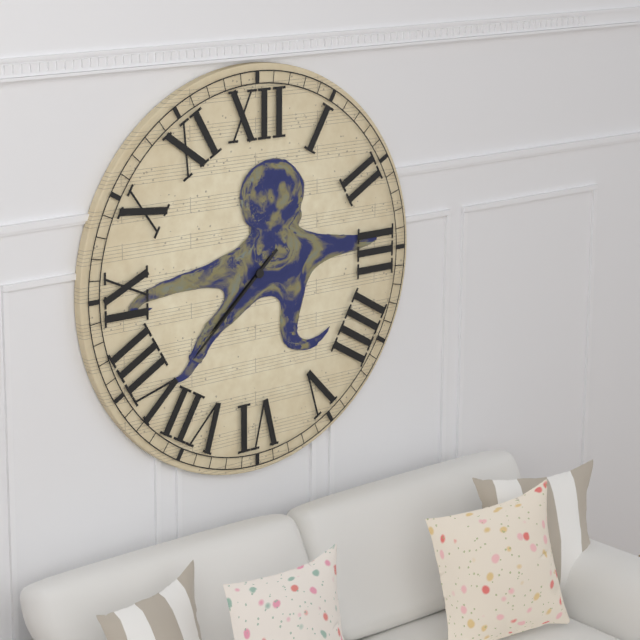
7:38
